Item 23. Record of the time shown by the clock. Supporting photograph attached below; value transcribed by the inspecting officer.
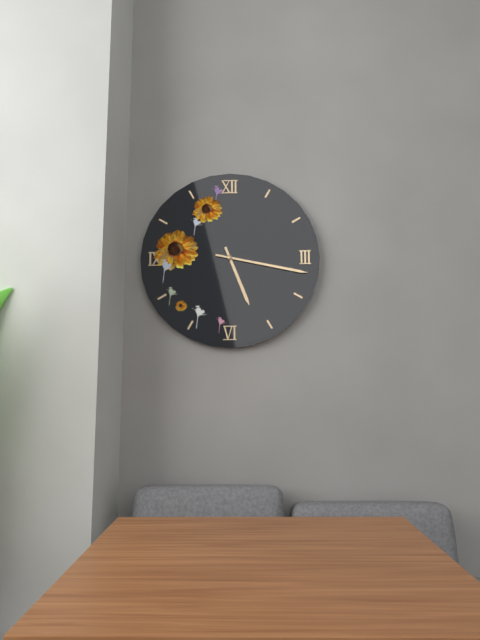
5:17
